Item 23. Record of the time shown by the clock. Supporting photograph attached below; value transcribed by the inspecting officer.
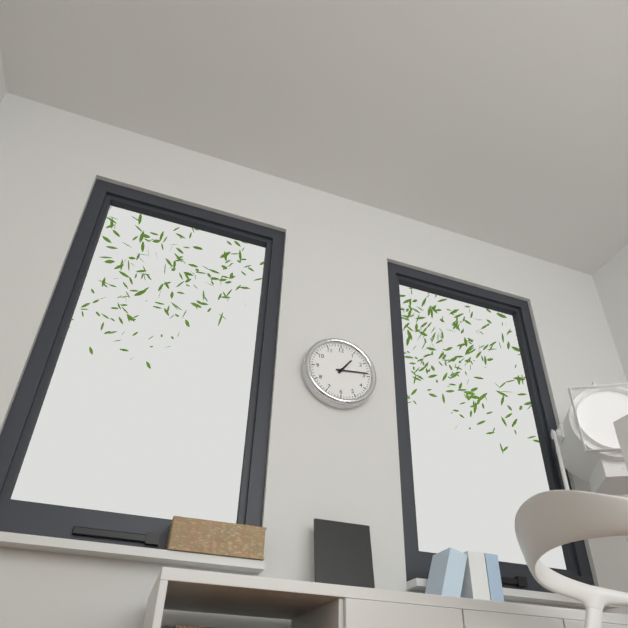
1:14
